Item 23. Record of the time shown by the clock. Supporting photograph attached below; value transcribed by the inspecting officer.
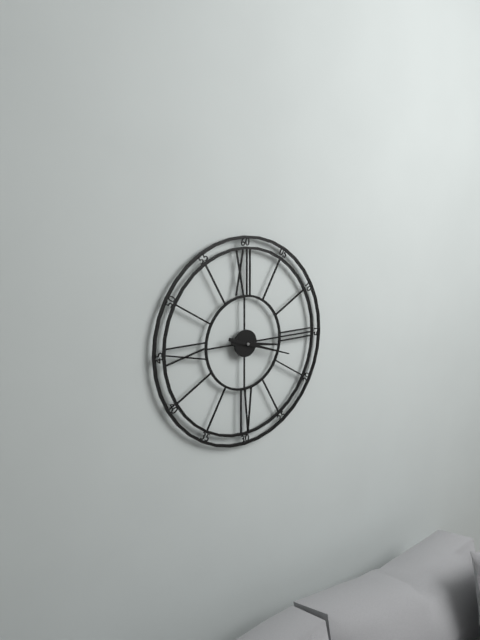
3:18
